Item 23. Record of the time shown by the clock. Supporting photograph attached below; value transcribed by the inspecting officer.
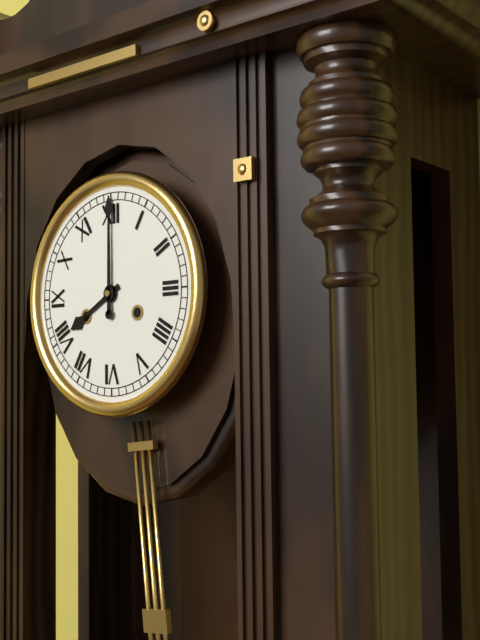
8:00
